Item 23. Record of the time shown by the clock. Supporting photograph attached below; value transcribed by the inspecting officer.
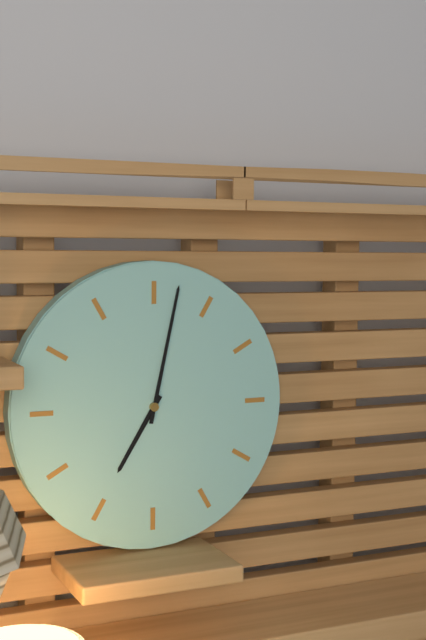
7:02
